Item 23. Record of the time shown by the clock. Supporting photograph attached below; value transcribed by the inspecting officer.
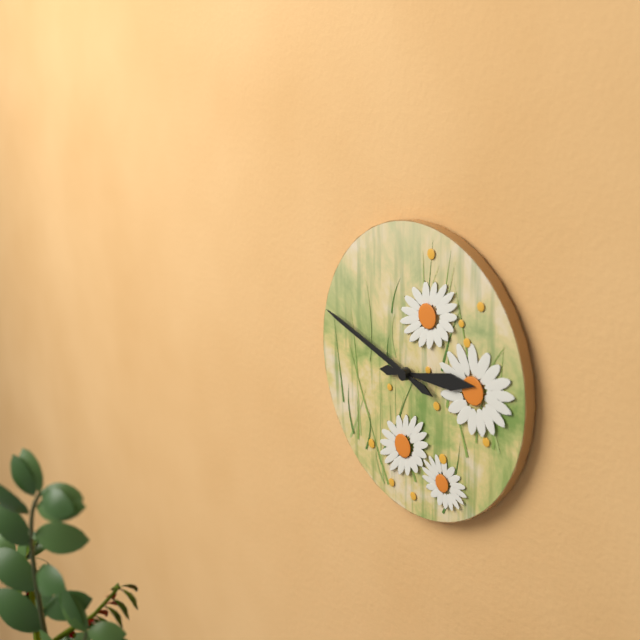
2:48
